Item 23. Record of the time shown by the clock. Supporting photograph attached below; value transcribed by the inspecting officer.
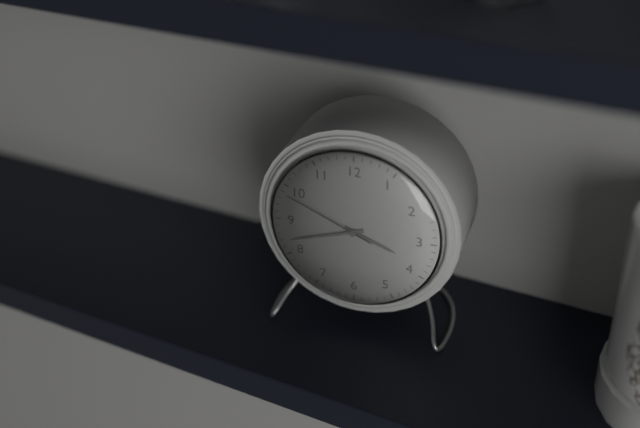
3:42:49
